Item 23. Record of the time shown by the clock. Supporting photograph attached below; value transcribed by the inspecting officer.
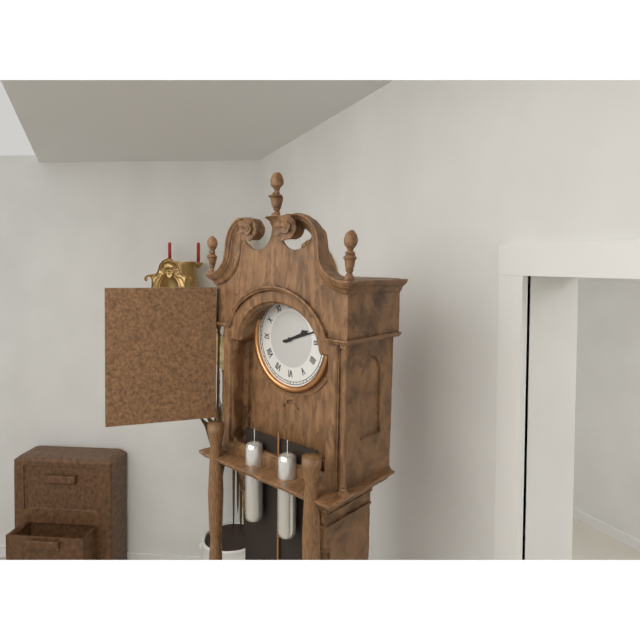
2:12
